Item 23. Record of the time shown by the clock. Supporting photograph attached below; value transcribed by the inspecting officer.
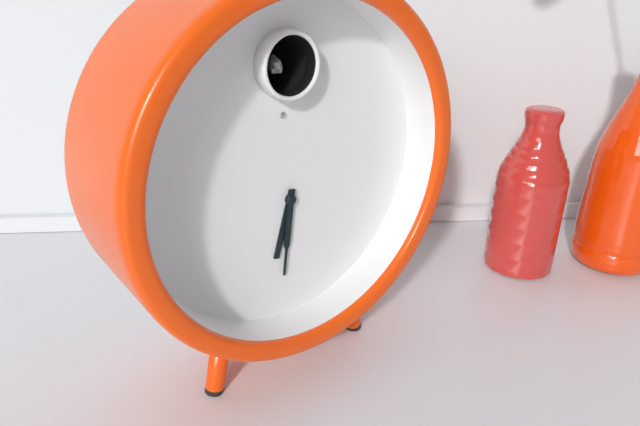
6:31
